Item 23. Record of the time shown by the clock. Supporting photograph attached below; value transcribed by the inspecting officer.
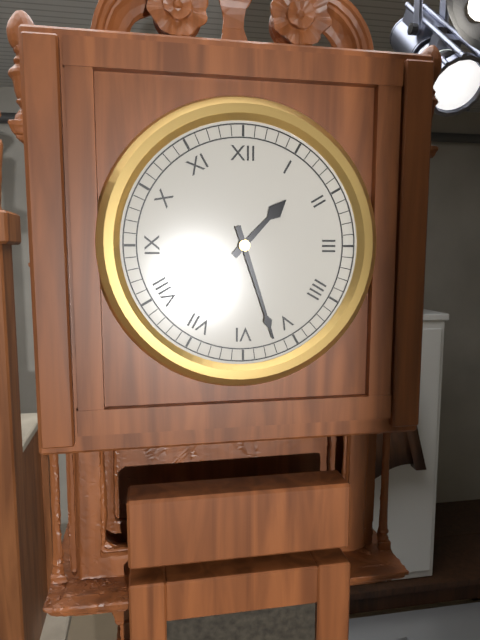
1:27
